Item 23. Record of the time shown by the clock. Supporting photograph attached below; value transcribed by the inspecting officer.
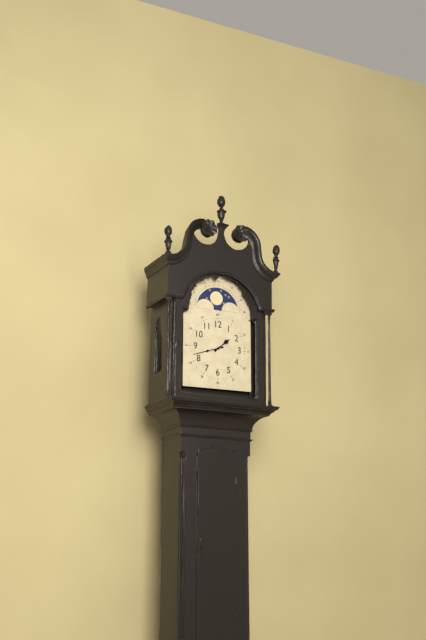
1:42
